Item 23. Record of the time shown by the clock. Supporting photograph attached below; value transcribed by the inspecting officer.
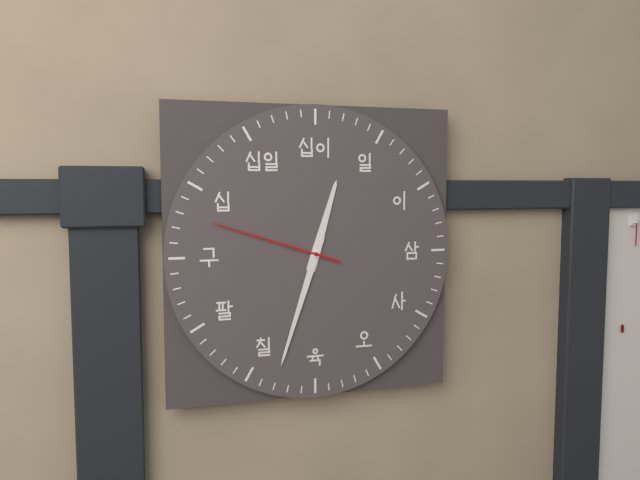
12:33:48
